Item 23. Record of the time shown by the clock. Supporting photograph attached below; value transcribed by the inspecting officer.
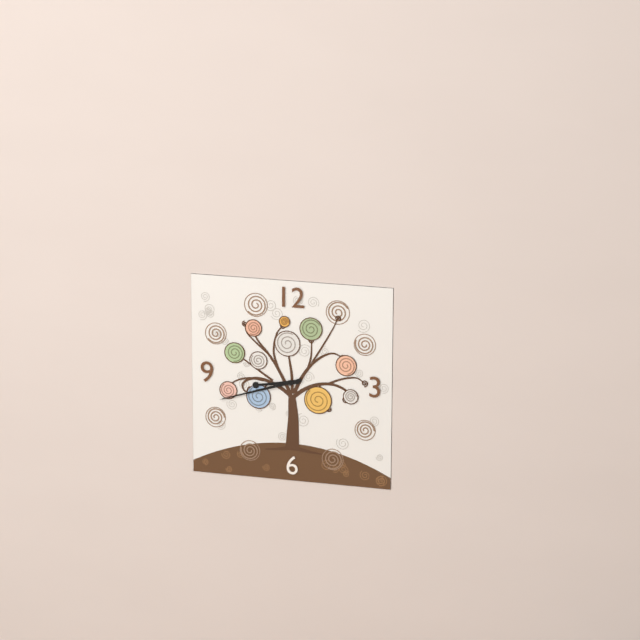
8:42
